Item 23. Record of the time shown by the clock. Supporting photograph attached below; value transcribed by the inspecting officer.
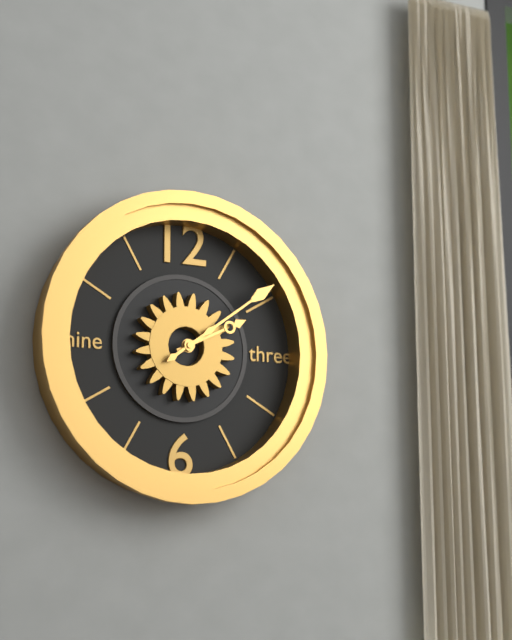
2:09
